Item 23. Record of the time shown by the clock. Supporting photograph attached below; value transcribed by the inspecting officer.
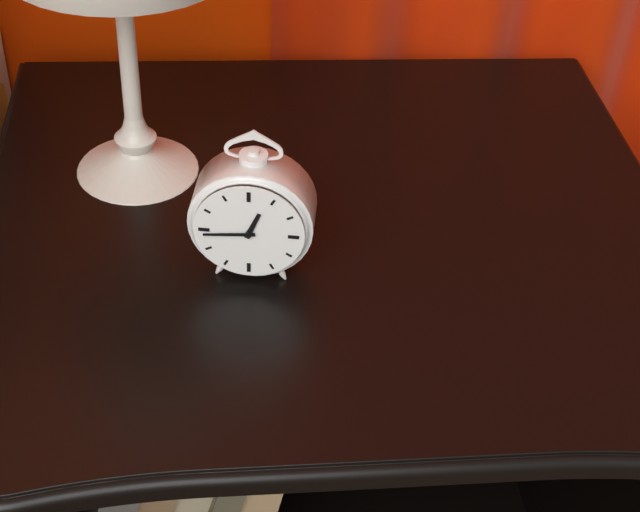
12:44
